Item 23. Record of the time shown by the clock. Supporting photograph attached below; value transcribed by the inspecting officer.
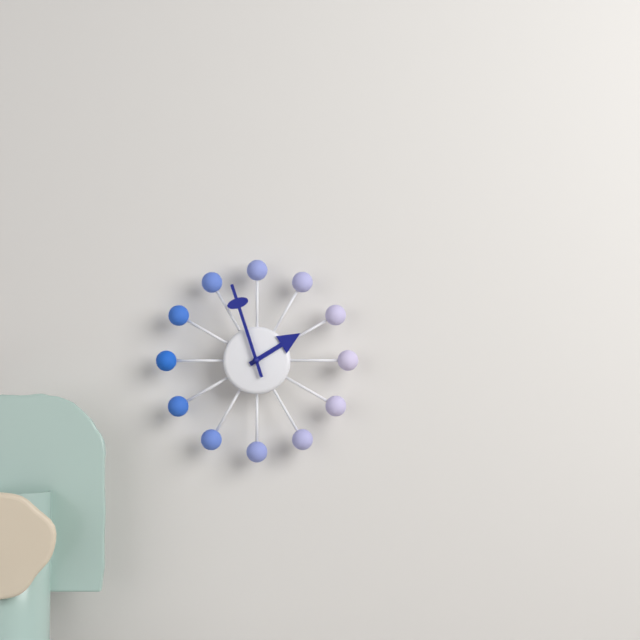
1:57
